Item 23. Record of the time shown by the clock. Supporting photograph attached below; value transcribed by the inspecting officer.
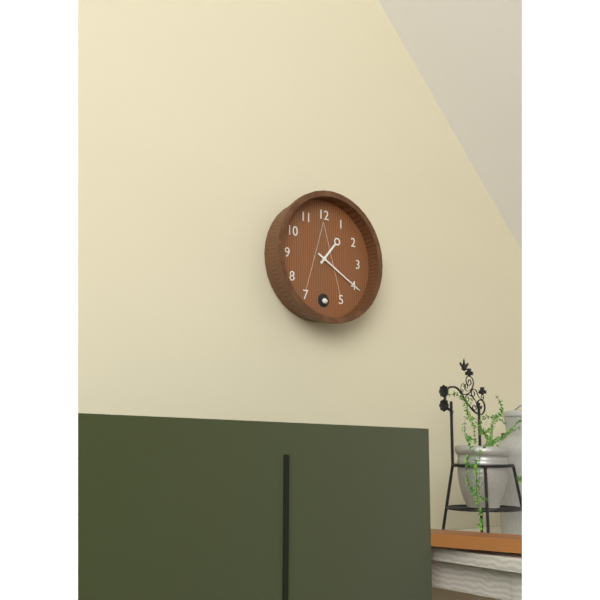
1:20
